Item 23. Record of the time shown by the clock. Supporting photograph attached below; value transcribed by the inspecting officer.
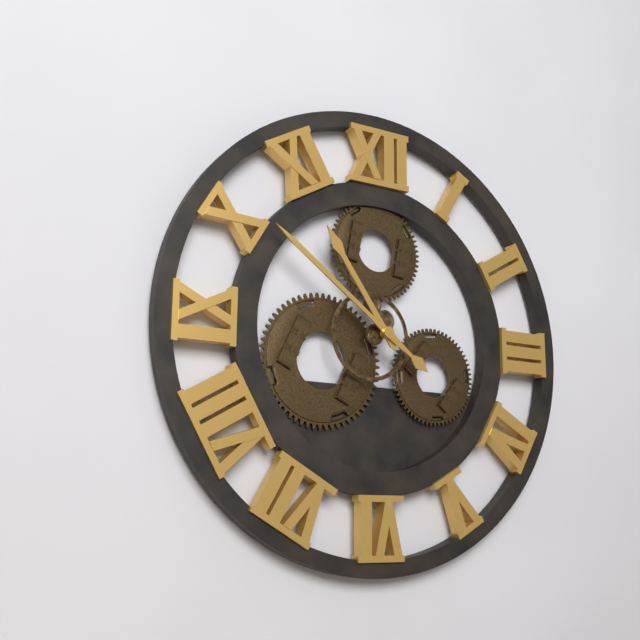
10:51
